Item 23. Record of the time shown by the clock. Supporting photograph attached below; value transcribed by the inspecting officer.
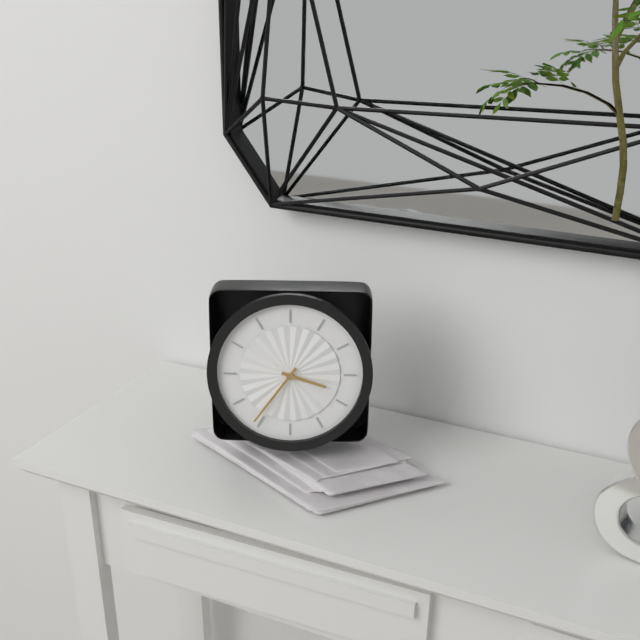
3:36
